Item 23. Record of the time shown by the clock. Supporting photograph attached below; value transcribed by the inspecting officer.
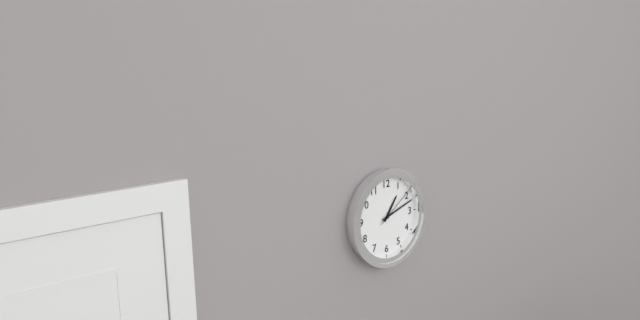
1:12
